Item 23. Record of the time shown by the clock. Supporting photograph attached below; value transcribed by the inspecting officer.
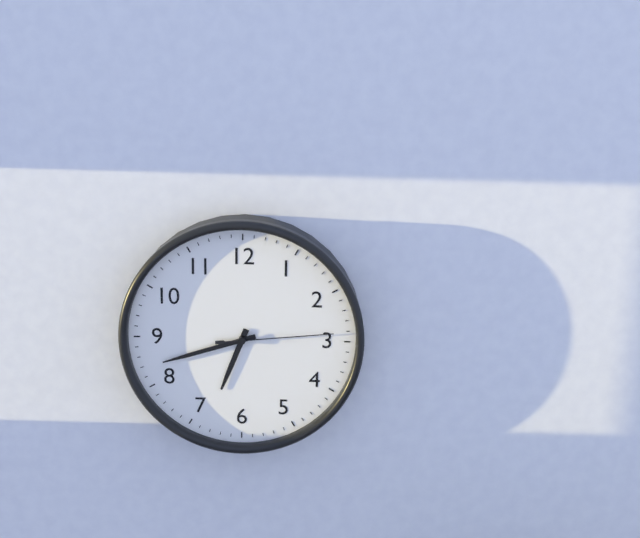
6:42:14
